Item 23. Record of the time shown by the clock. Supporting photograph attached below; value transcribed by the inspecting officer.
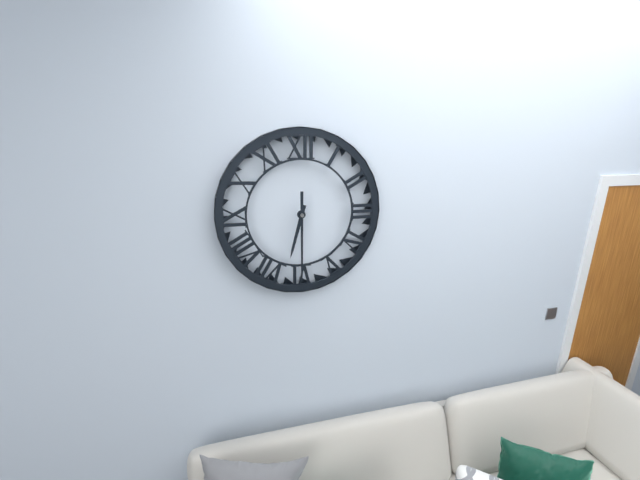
6:30
